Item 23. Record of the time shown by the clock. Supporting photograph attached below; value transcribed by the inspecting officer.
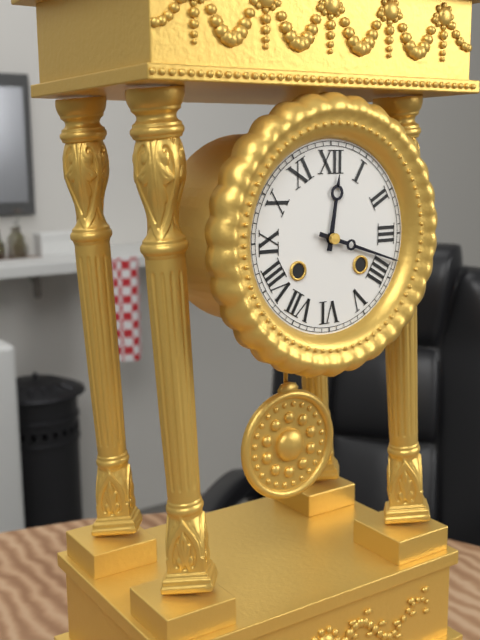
12:18
